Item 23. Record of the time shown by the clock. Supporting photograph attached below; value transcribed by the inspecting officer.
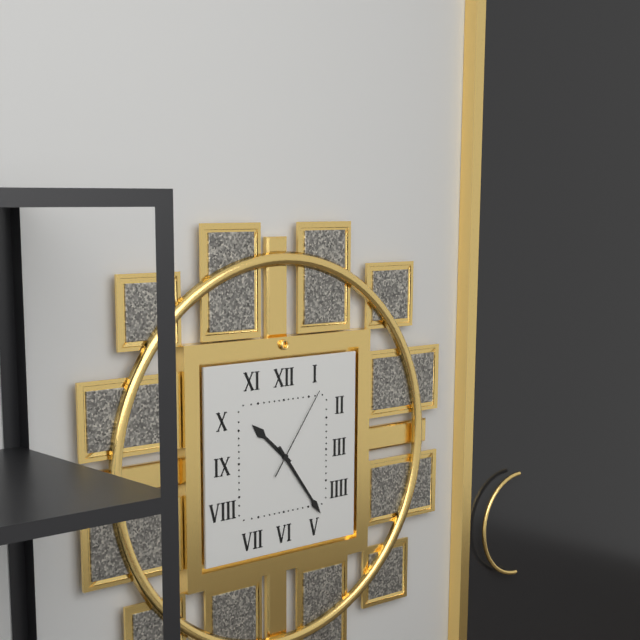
10:24:06
